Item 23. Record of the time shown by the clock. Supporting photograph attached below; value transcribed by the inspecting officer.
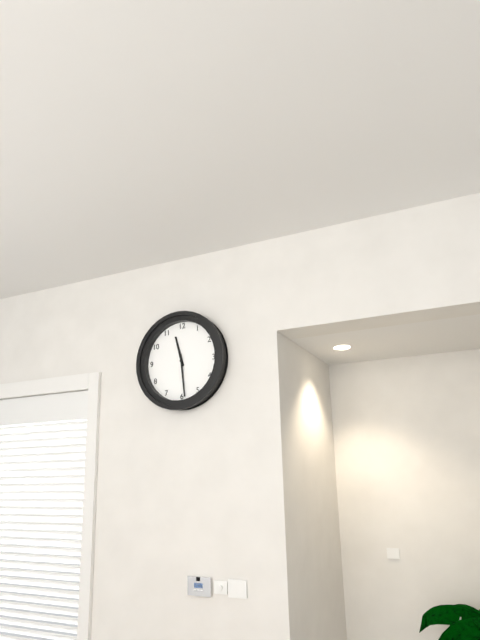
11:29
